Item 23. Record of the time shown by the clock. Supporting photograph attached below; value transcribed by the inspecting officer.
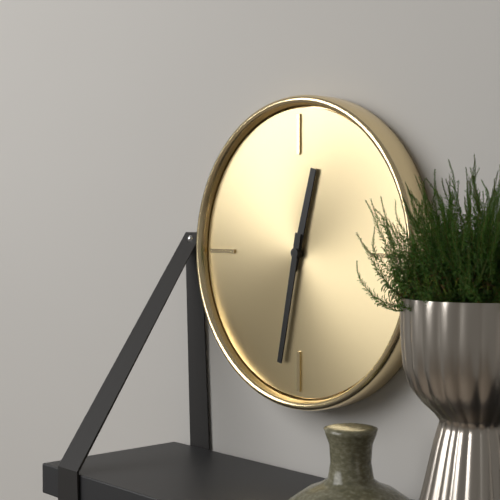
12:32
